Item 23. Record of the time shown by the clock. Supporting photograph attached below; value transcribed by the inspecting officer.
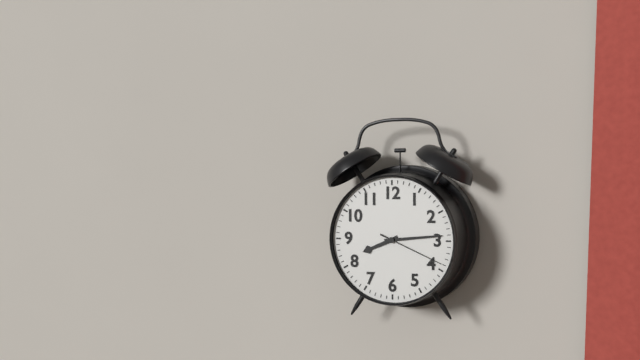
8:14:19
